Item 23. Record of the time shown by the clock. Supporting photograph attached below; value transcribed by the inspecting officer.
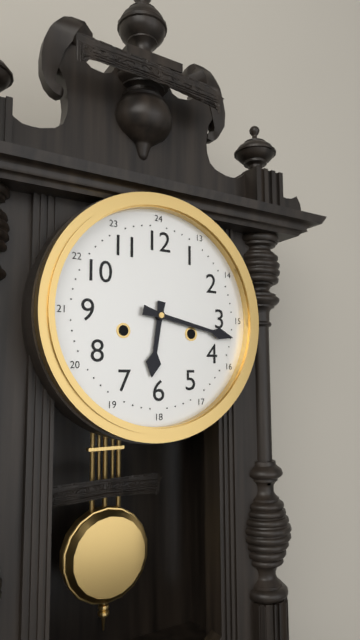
6:17
